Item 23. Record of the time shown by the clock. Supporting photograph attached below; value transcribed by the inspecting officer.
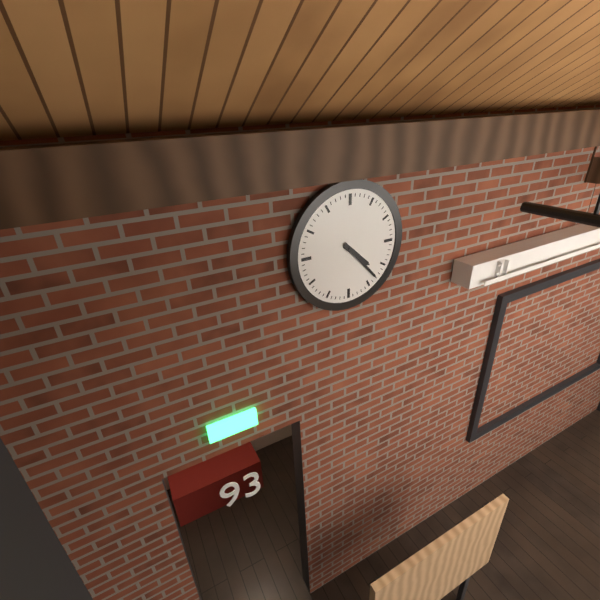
4:23
